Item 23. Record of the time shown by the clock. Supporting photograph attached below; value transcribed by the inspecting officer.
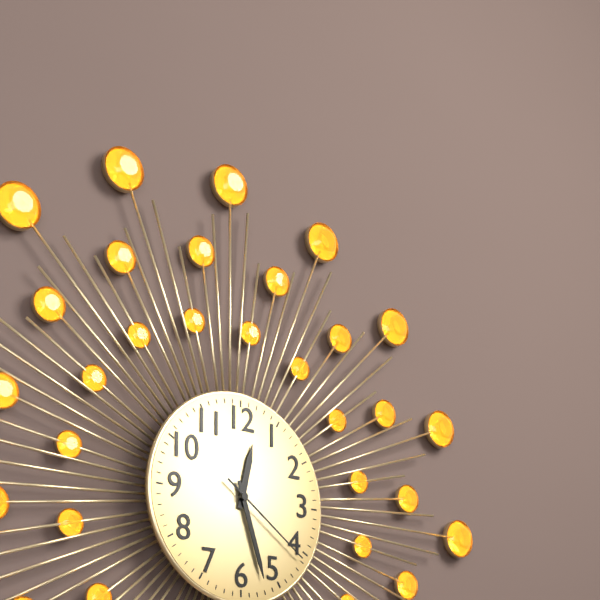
12:27:21
